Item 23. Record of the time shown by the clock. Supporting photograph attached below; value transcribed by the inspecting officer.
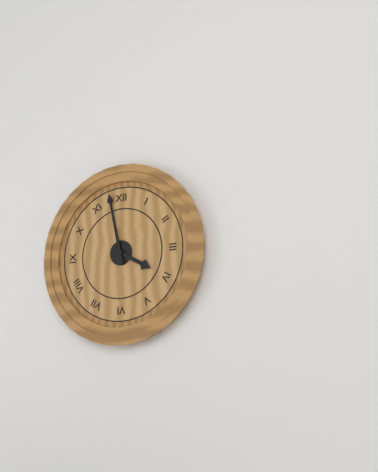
3:58
